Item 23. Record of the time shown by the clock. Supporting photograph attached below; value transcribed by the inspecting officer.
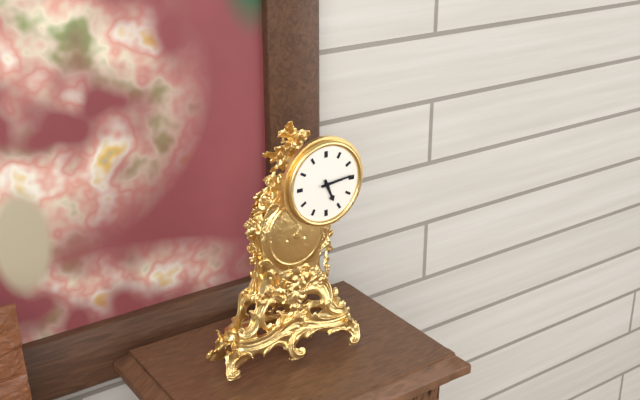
5:14
